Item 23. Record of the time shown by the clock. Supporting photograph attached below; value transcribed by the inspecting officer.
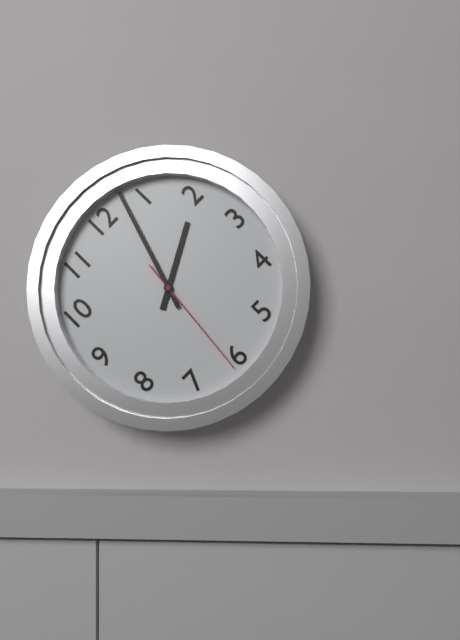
2:03:31
